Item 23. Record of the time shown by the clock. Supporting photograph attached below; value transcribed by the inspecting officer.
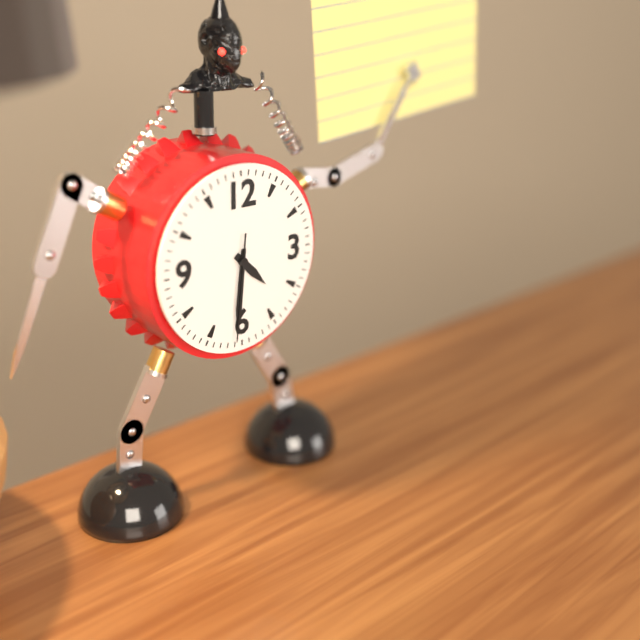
4:31:31
